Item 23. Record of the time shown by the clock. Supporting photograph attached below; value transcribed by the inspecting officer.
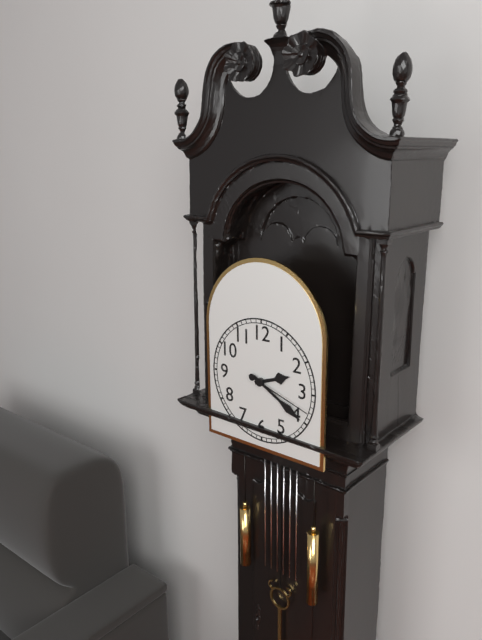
2:20:18
